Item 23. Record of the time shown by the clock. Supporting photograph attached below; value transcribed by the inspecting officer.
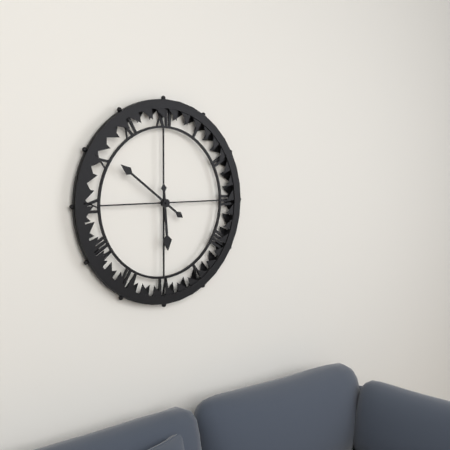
5:51
